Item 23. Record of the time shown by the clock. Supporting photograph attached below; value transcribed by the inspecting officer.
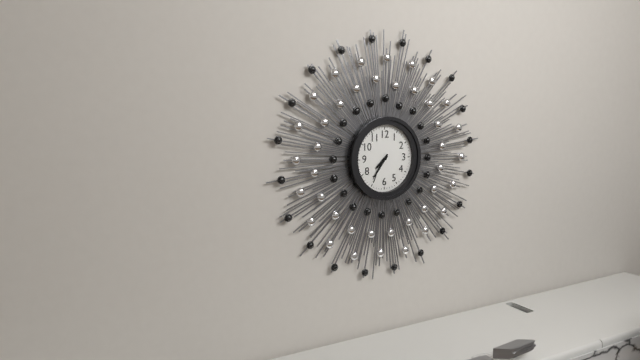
7:36
